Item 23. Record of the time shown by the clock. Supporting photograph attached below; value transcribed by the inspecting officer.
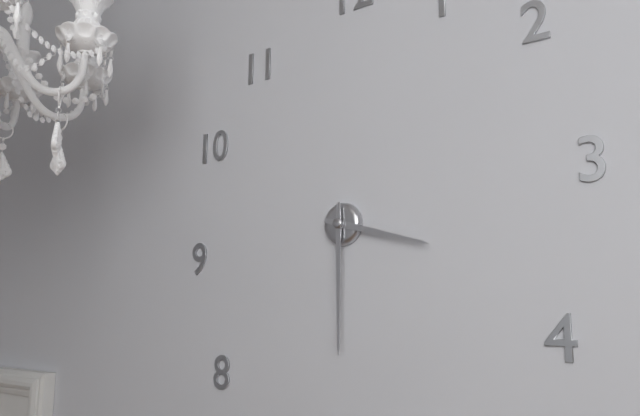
3:30
